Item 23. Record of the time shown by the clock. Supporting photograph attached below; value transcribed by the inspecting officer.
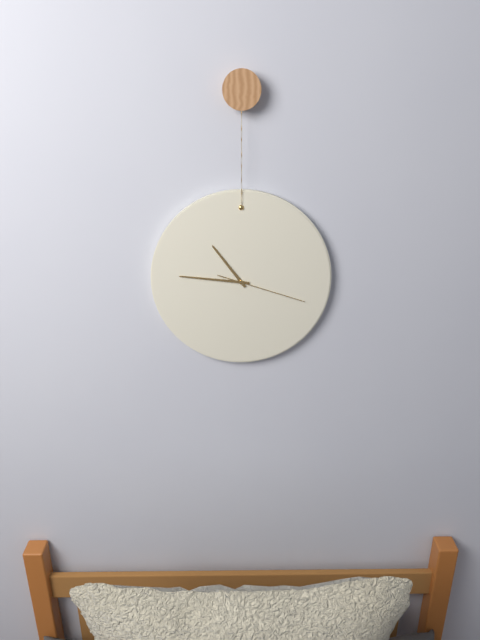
10:46:18
